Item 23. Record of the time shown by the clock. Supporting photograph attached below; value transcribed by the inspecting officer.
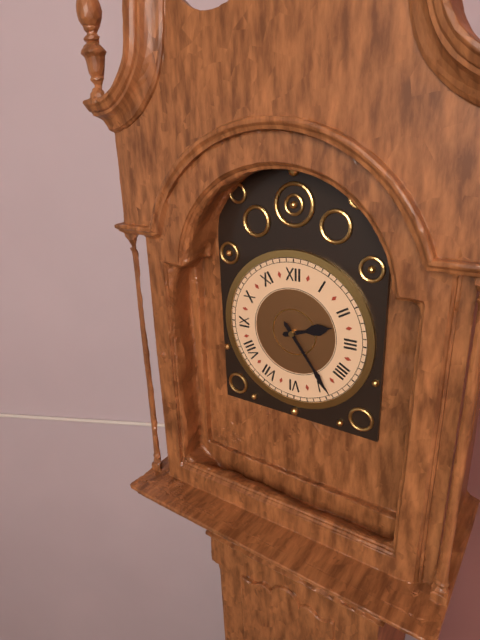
2:24
